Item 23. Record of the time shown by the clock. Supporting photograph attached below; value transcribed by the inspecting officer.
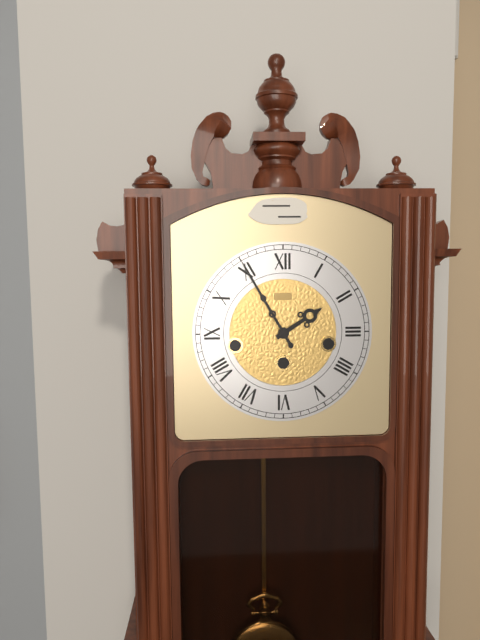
1:55
